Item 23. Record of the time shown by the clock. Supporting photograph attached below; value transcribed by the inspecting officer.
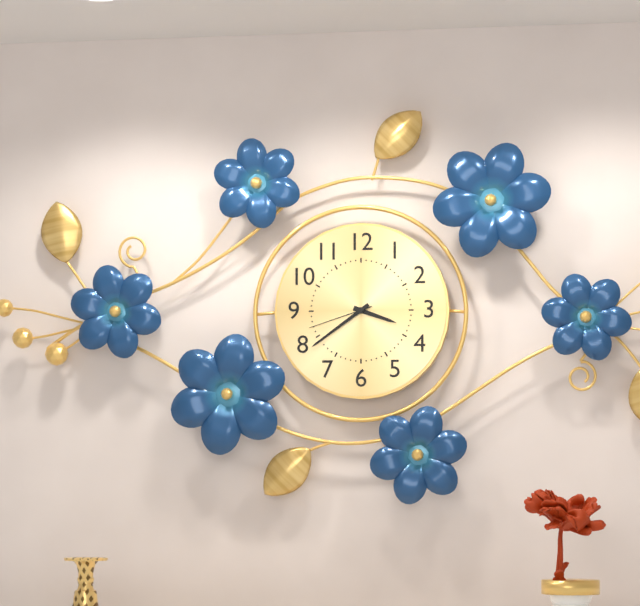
3:39:42
